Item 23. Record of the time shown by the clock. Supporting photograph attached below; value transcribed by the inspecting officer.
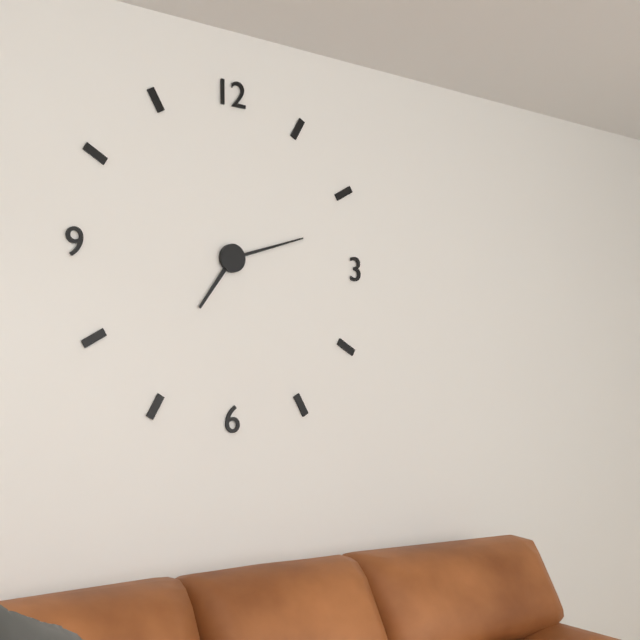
7:12
